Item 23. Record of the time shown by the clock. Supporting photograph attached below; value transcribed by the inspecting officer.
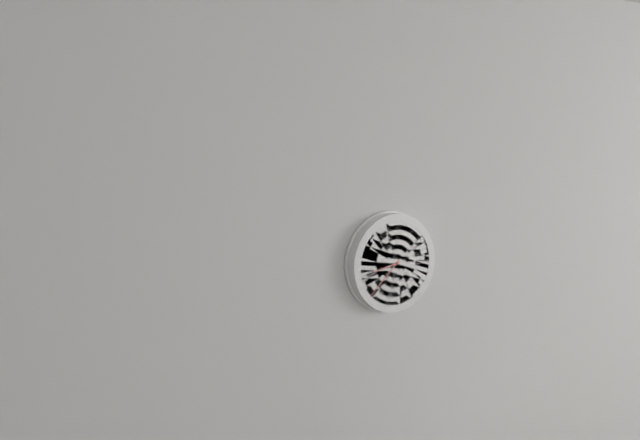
8:38
